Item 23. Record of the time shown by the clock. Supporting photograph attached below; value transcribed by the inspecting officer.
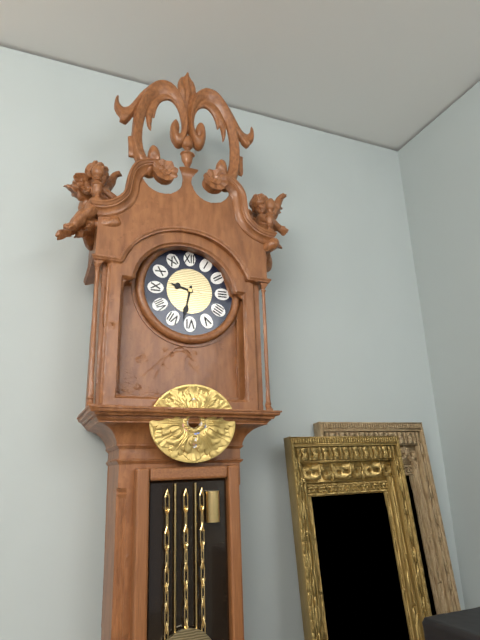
9:32
